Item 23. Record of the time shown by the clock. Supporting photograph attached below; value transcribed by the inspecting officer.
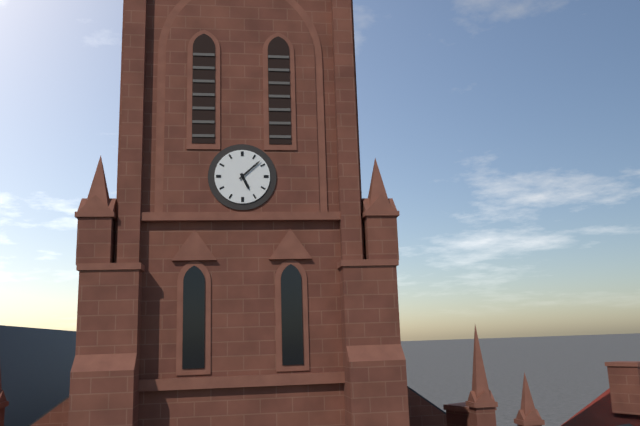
5:08
